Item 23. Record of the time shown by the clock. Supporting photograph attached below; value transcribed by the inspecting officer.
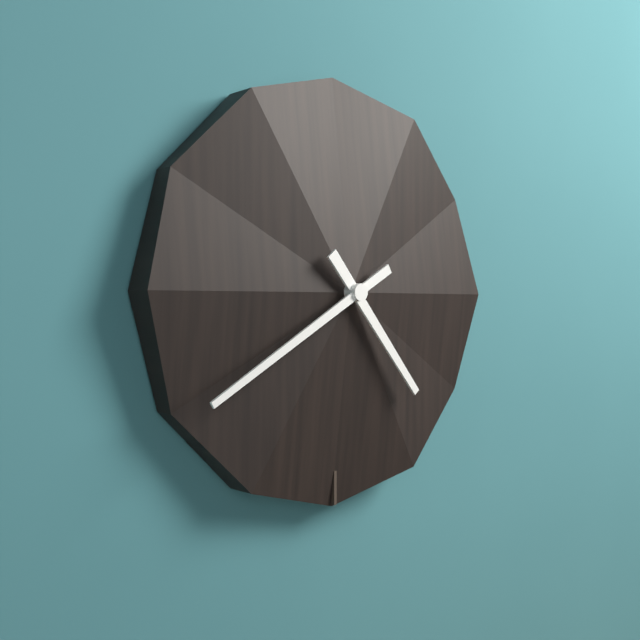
4:40
